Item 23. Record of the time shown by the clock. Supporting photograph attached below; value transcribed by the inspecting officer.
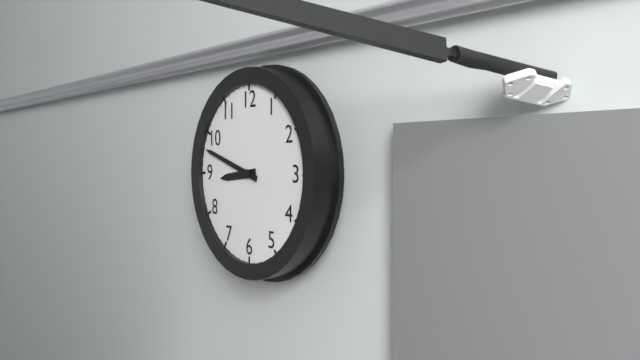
8:48
